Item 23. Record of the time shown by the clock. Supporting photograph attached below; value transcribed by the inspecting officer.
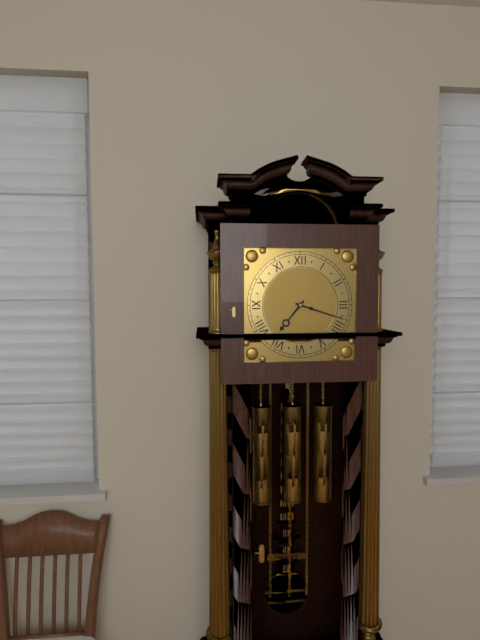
7:18
